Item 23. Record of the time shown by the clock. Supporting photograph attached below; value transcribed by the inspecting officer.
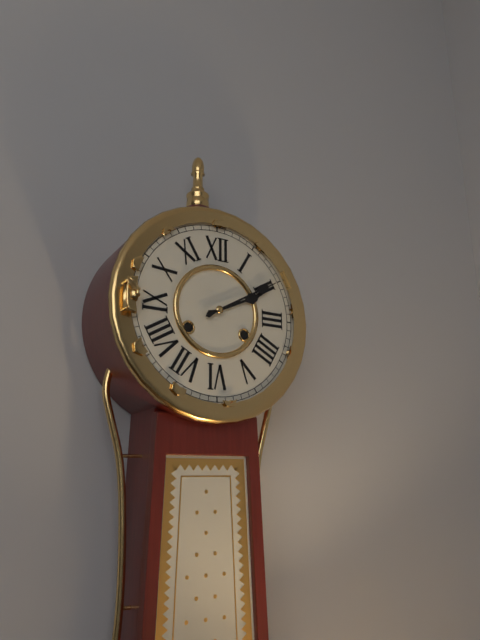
2:10
